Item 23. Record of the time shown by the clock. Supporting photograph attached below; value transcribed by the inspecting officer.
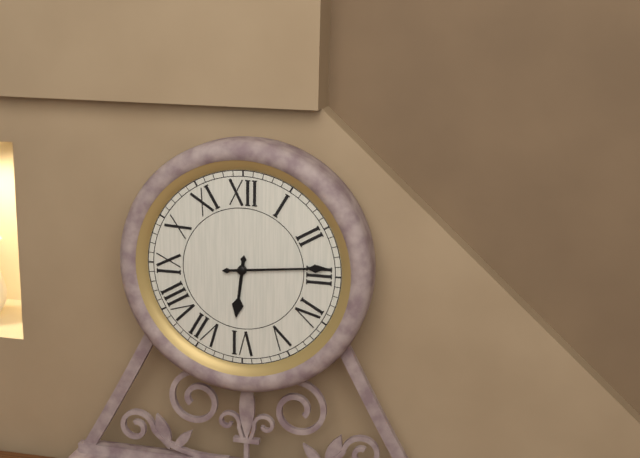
6:14
